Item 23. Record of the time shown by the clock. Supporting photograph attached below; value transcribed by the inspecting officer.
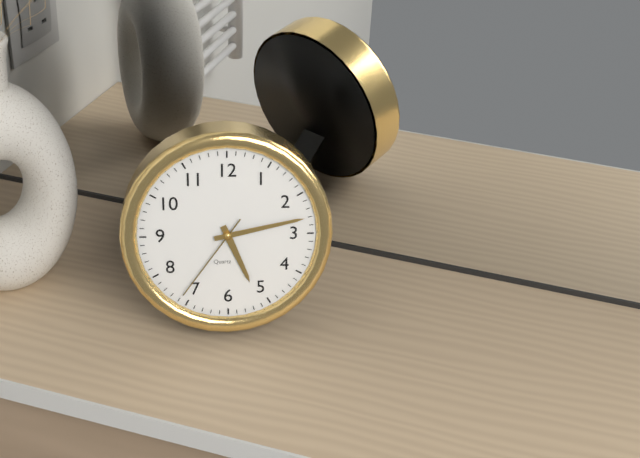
5:13:36
